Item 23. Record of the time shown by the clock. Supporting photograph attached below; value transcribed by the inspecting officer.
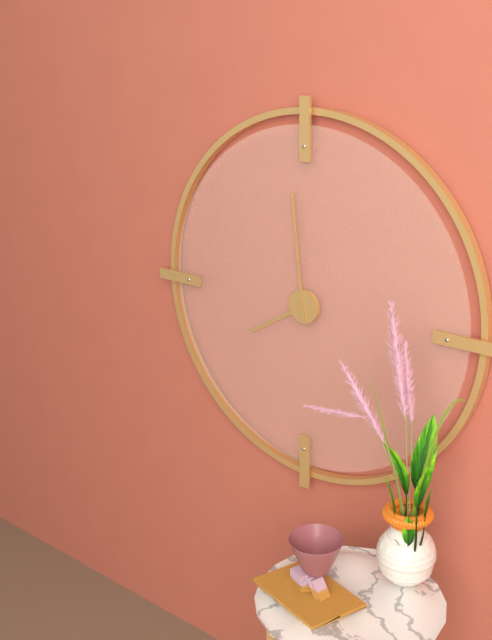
7:59
